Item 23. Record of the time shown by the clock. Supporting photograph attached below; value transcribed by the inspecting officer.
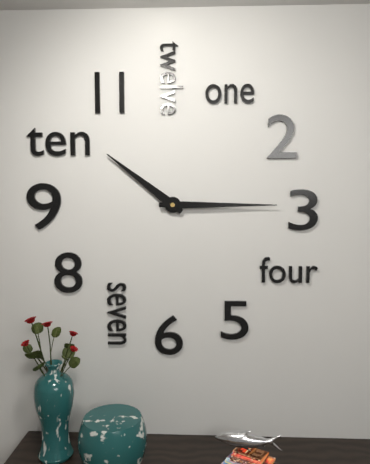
10:15
